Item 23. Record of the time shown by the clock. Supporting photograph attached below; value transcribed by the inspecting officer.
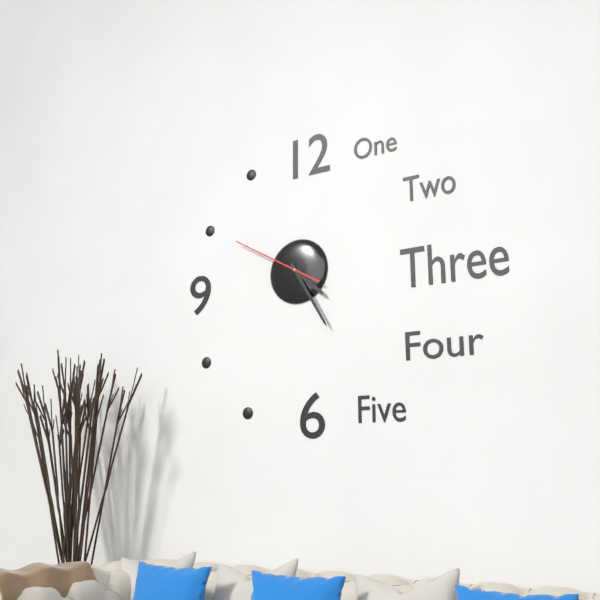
4:25:50
